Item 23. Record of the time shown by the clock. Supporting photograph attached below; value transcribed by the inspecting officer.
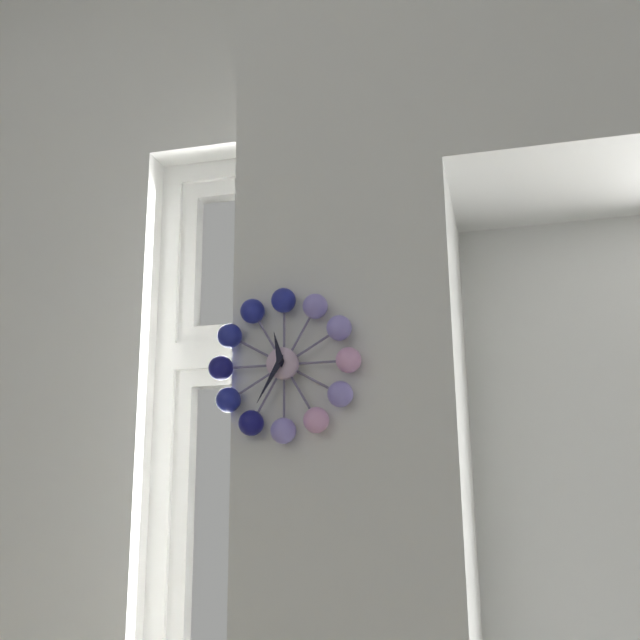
11:35
